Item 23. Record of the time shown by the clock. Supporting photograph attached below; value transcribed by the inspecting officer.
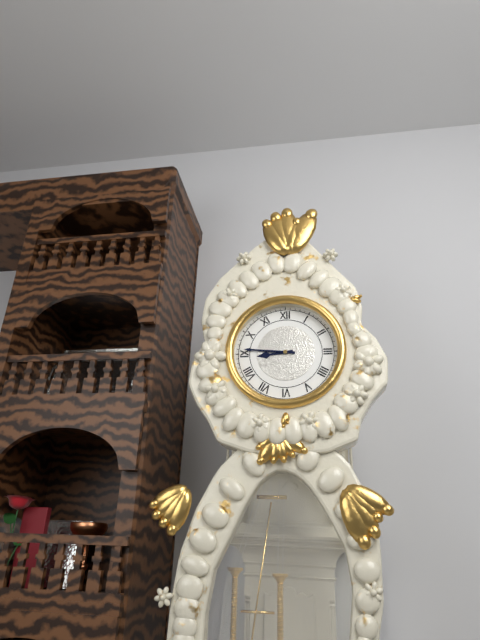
8:46
